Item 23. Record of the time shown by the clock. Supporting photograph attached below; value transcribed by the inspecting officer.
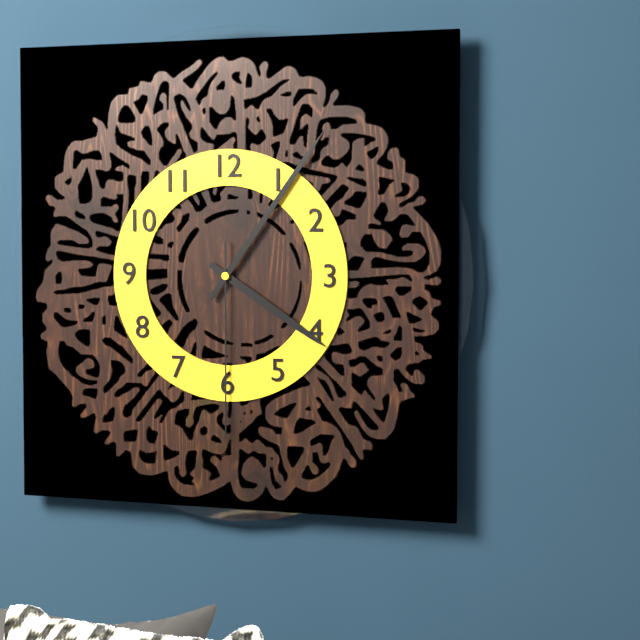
4:06:30
